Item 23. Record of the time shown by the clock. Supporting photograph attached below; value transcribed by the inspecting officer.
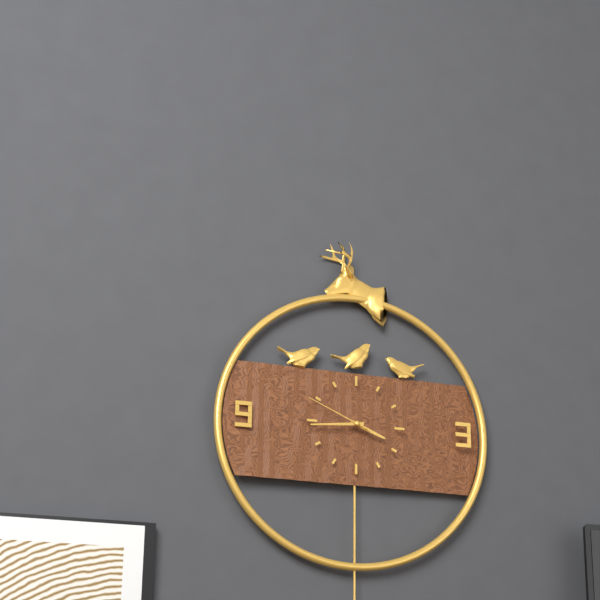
3:44:49
